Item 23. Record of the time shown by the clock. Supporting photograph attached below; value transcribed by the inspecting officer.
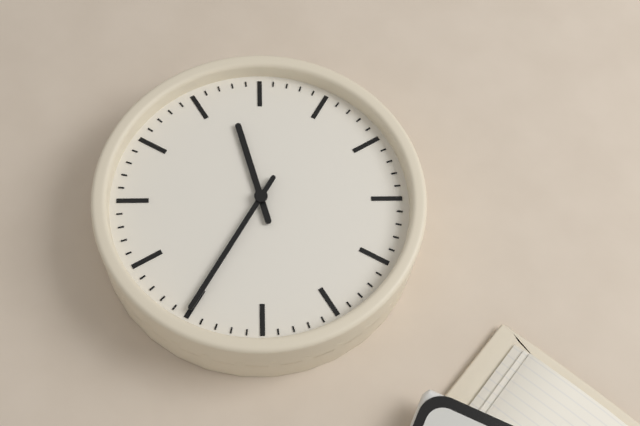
10:30
